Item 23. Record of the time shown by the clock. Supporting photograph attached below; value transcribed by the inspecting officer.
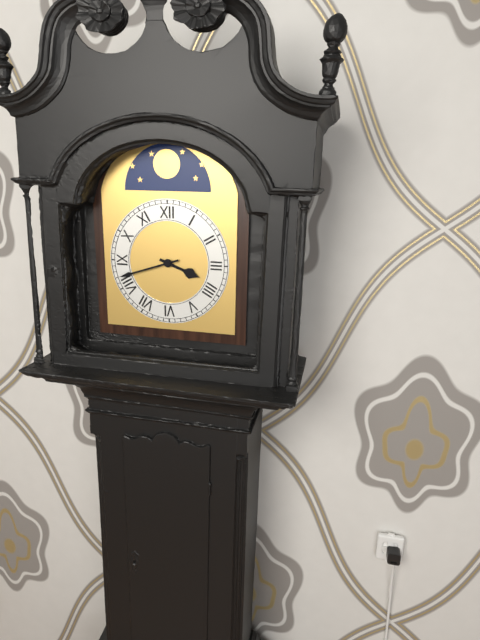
3:42
